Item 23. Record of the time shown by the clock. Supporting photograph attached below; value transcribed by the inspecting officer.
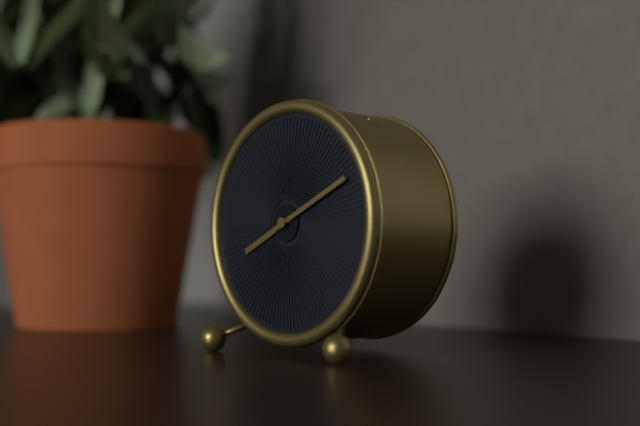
8:11
